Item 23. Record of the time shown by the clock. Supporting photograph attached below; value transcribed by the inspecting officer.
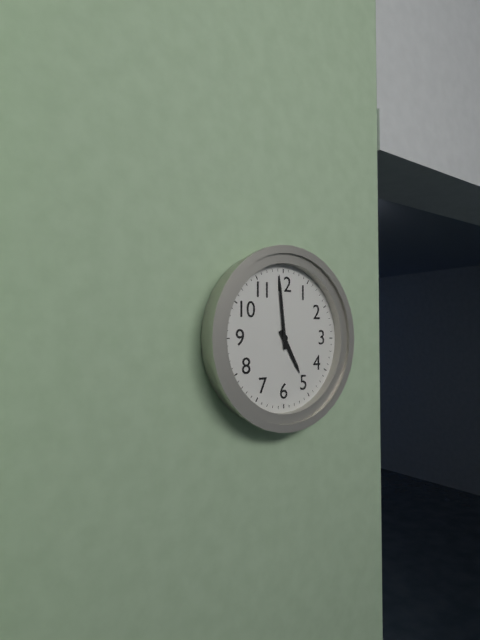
4:59
